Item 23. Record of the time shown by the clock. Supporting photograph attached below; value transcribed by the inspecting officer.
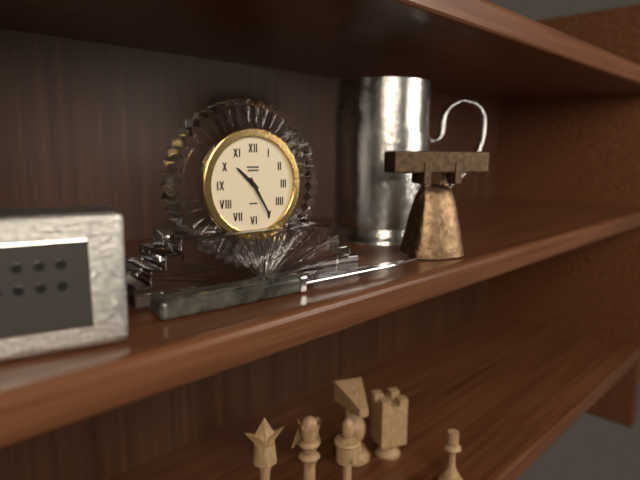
10:25
